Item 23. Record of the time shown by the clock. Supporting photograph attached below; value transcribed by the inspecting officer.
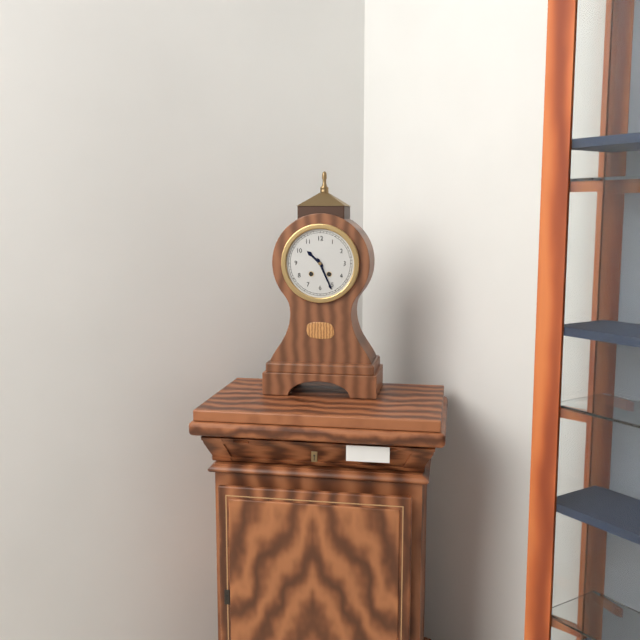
10:26
